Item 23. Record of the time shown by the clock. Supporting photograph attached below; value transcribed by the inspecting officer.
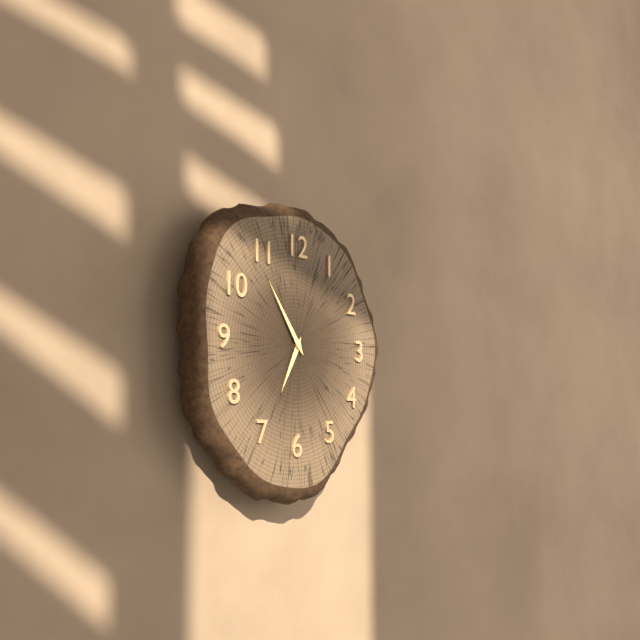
6:54
